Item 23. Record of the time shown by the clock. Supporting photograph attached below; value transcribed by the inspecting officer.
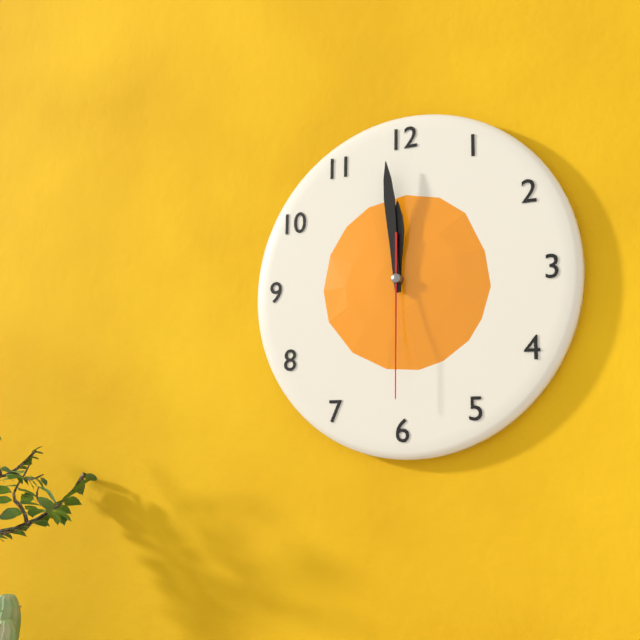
11:59:30
